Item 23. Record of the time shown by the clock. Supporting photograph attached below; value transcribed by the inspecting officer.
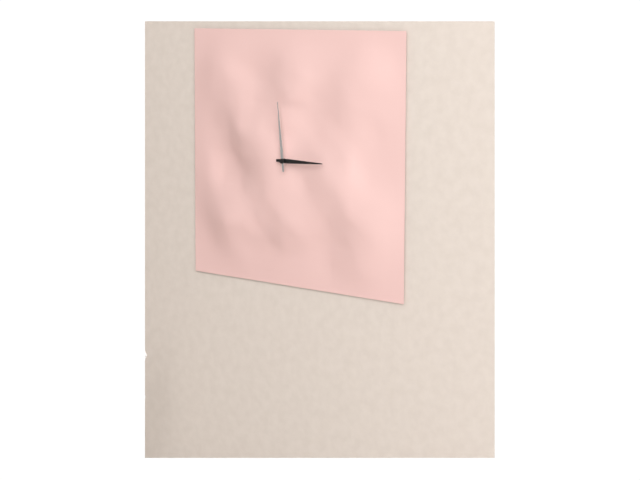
2:59
